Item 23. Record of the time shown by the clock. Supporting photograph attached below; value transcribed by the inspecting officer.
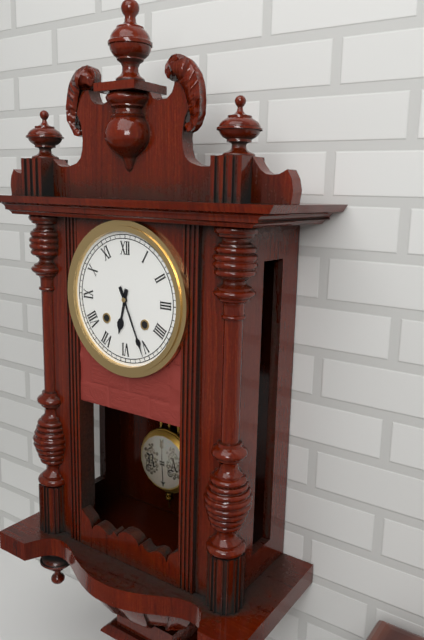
6:26
